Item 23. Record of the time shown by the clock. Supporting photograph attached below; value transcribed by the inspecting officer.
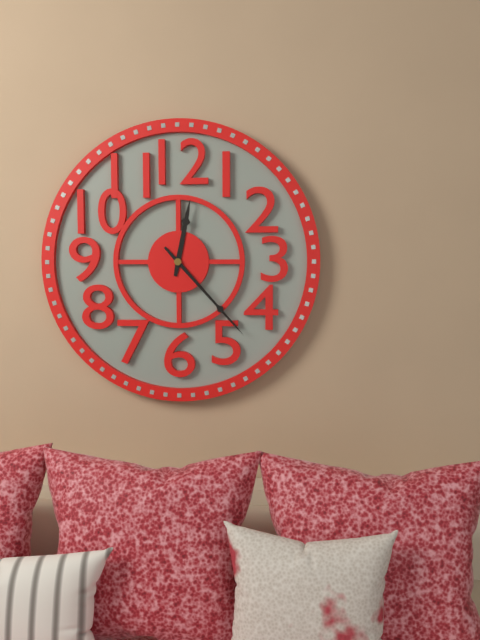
12:23
